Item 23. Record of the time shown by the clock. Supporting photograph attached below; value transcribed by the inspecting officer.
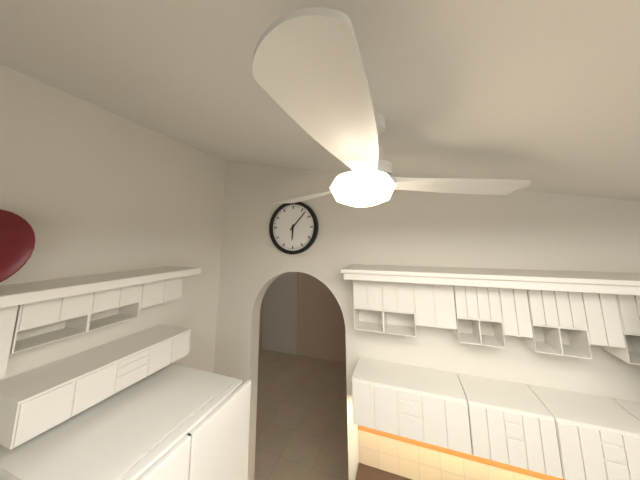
6:07
